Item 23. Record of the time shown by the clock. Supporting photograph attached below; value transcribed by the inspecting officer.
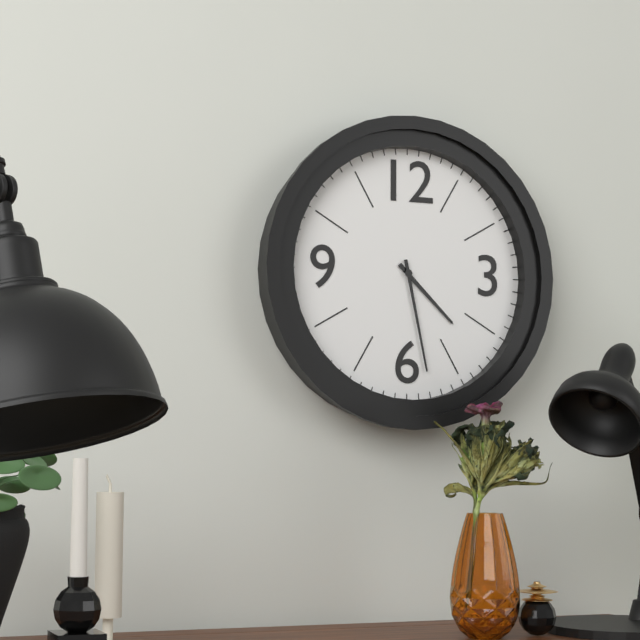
4:28
